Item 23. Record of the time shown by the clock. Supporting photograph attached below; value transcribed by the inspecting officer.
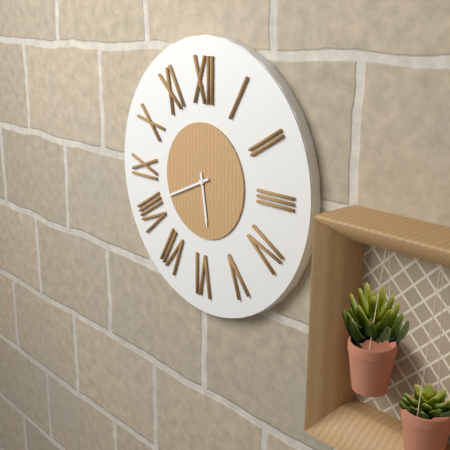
5:41
